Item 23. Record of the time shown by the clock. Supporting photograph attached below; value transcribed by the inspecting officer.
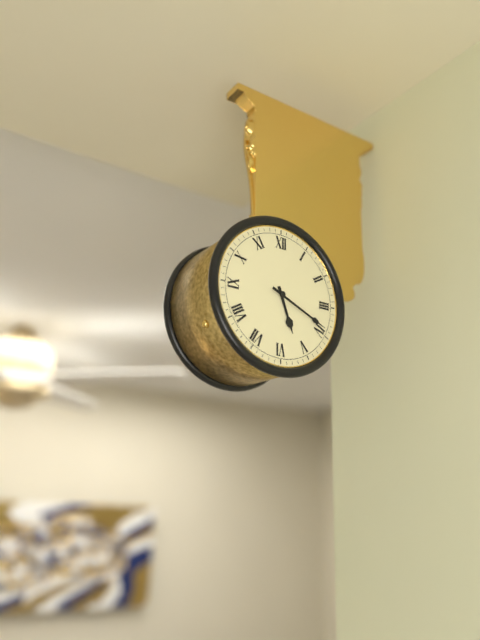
5:19
